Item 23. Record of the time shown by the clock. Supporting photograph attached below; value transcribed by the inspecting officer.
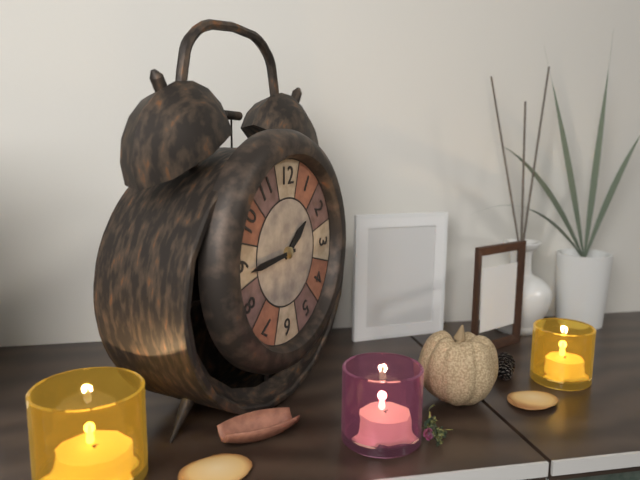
1:44
